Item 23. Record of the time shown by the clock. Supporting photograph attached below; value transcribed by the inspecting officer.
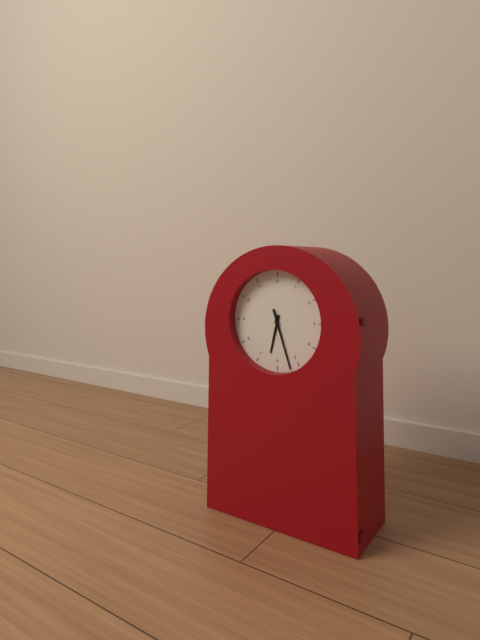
6:27
